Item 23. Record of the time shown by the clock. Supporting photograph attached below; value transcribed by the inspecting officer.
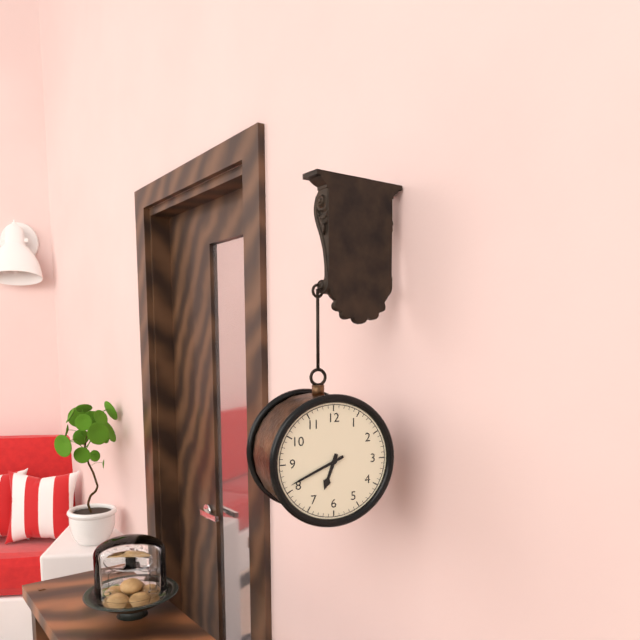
6:41
